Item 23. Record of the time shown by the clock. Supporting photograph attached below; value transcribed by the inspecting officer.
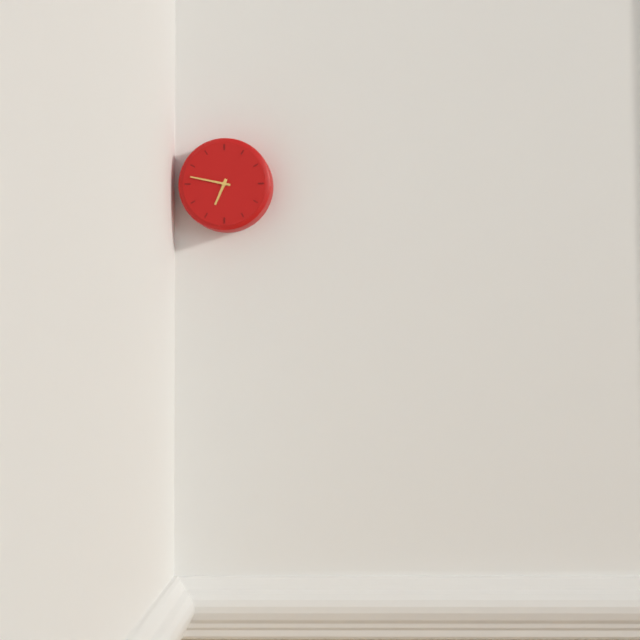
6:47
